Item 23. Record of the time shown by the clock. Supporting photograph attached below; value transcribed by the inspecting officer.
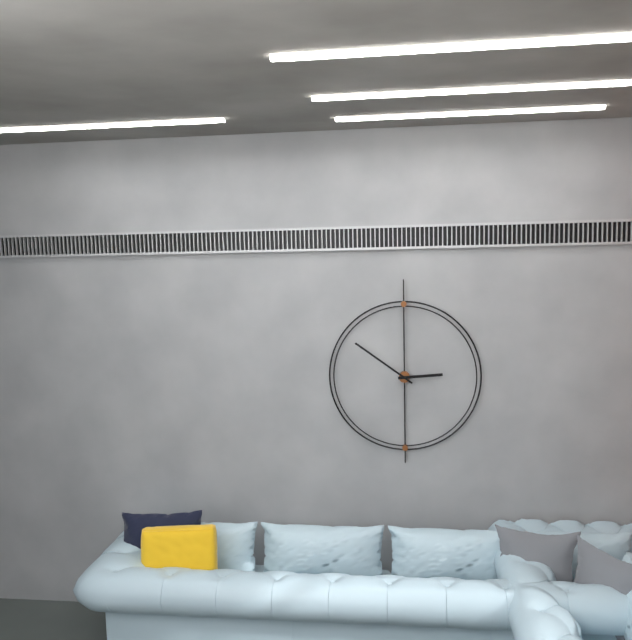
2:51
